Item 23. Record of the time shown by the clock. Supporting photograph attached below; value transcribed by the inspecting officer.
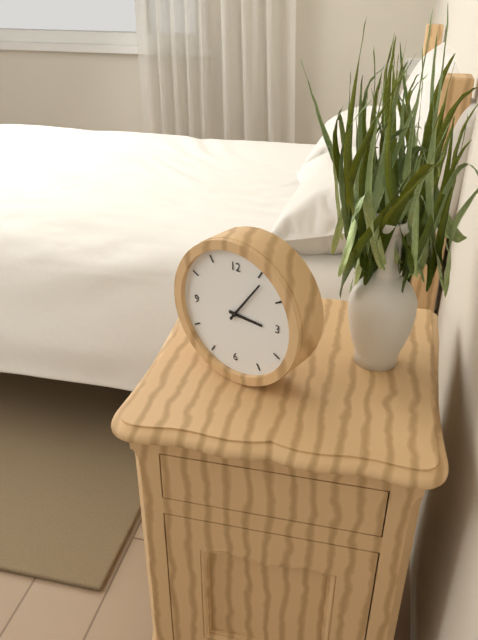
3:06
